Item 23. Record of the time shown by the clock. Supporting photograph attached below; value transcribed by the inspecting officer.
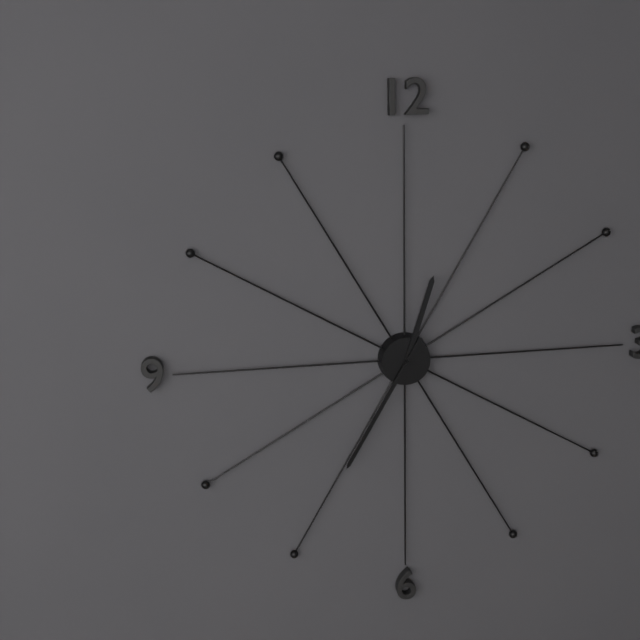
12:35
